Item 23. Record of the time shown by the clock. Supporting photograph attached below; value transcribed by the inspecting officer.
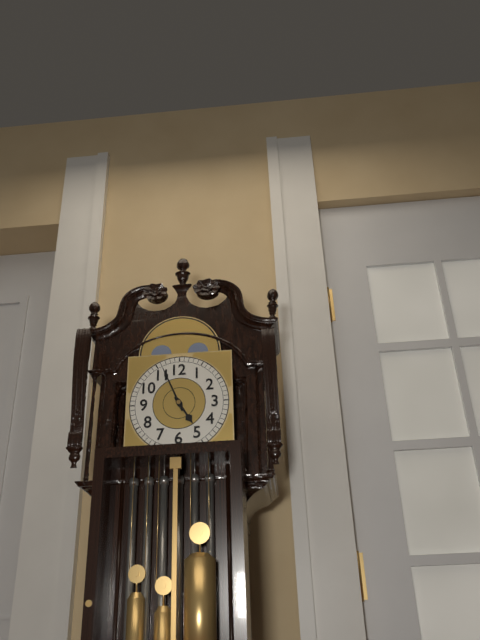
4:56
